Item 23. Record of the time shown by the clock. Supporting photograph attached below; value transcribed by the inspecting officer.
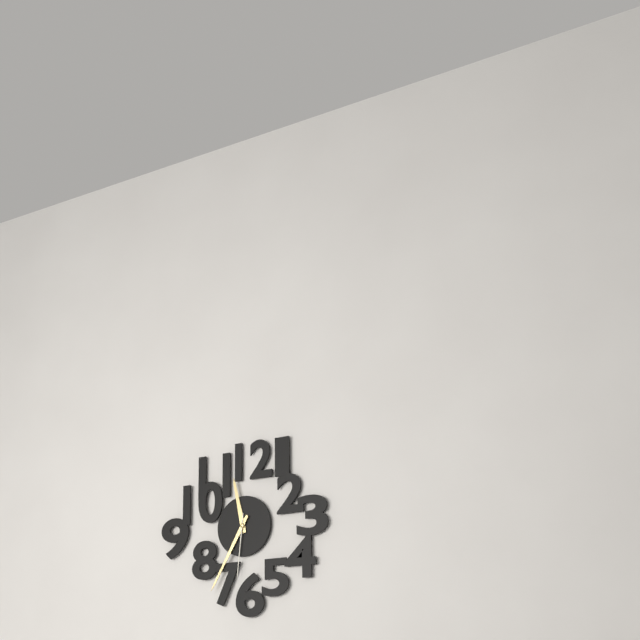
11:35:31
